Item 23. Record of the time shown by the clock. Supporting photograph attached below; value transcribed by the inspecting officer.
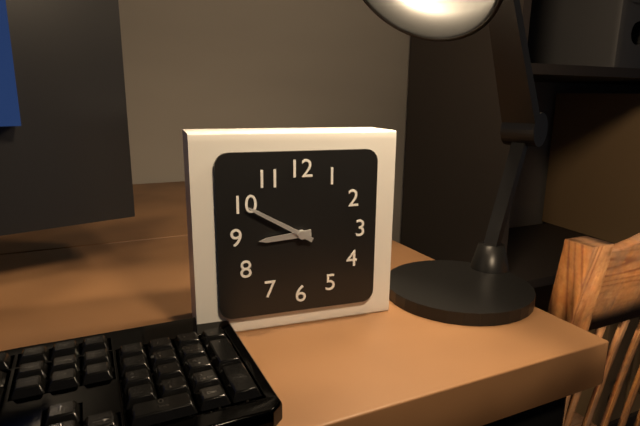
8:50
